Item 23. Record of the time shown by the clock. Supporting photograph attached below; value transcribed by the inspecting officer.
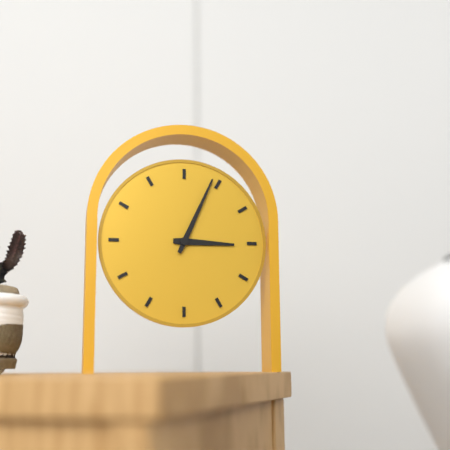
3:04
